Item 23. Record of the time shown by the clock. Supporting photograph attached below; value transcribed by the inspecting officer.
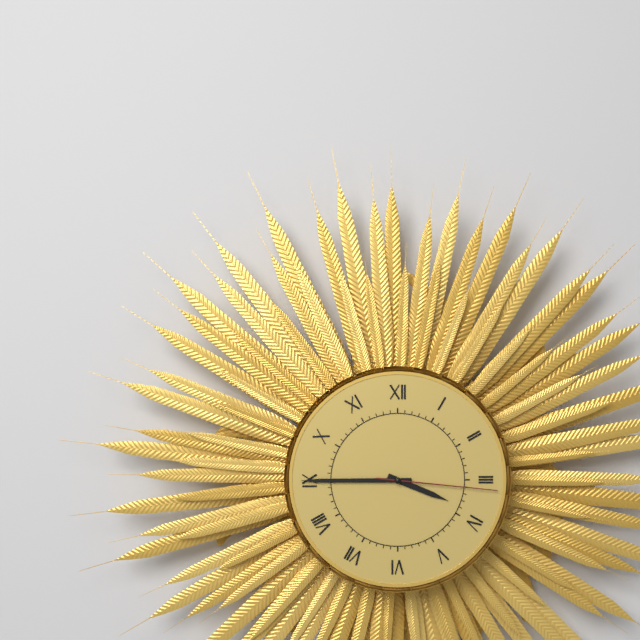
3:45:16
